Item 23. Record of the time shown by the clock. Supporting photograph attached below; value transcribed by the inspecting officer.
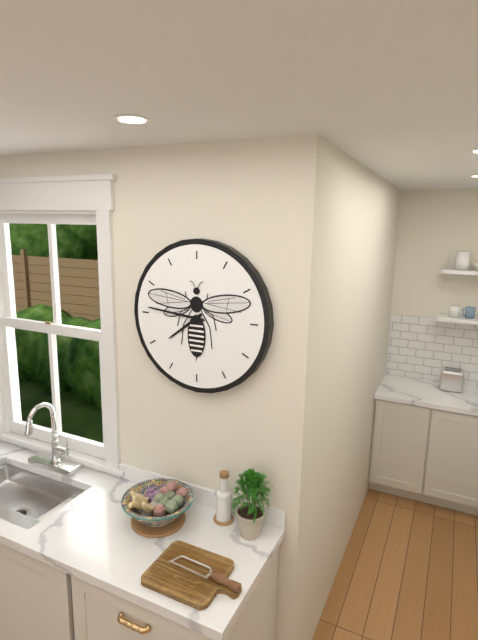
7:46
